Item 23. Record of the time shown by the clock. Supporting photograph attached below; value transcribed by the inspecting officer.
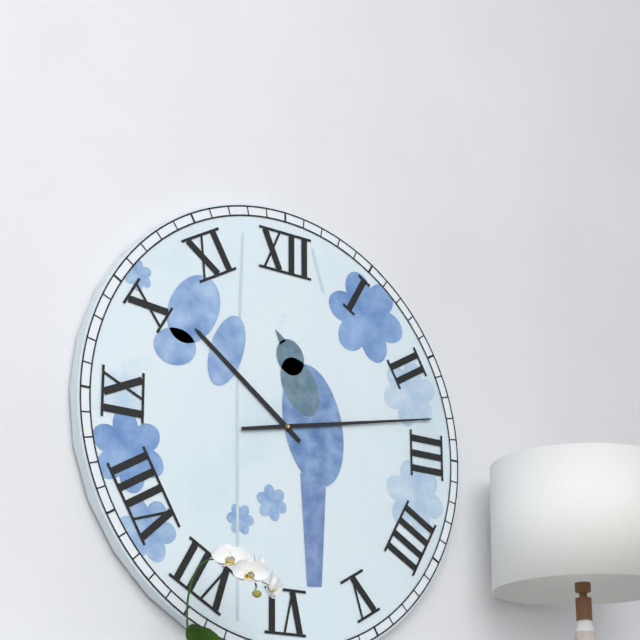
10:13
